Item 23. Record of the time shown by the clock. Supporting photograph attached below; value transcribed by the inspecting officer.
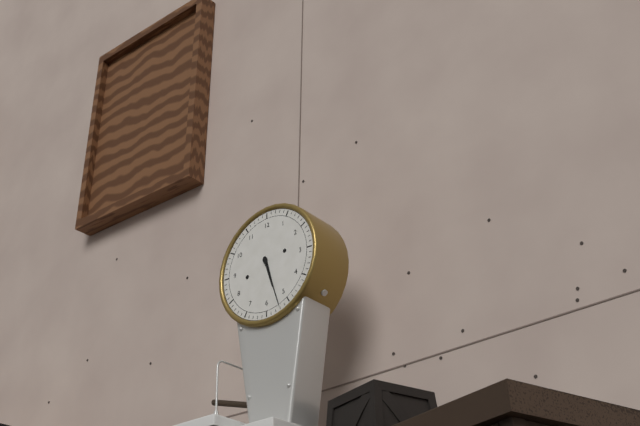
5:27
